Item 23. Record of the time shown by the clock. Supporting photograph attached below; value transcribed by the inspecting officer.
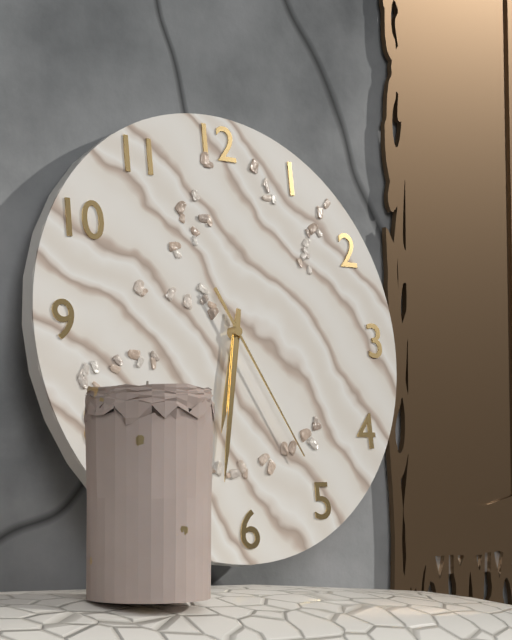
6:32:25
